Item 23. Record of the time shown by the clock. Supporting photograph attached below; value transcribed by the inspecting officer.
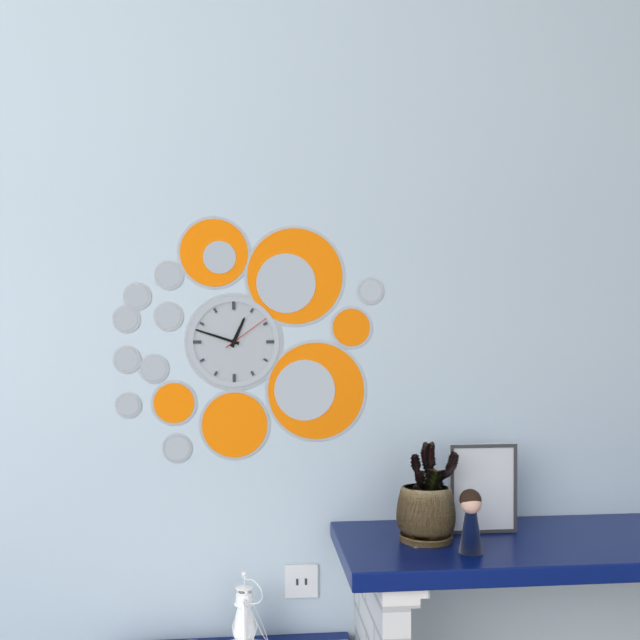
12:48:09
